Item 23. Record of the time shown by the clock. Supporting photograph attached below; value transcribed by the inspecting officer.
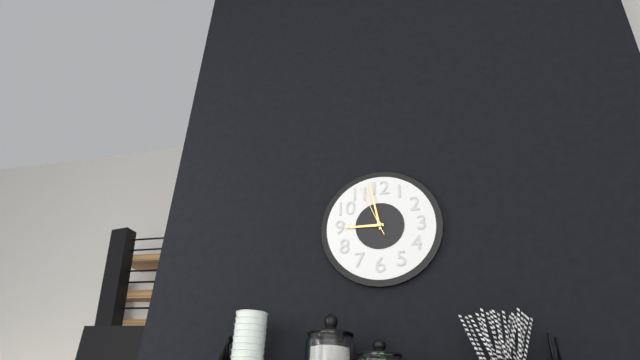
8:58:56
